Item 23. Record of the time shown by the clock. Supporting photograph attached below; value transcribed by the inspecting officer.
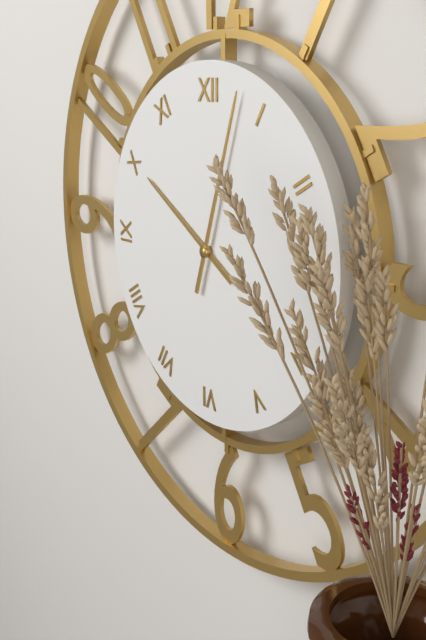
10:03
